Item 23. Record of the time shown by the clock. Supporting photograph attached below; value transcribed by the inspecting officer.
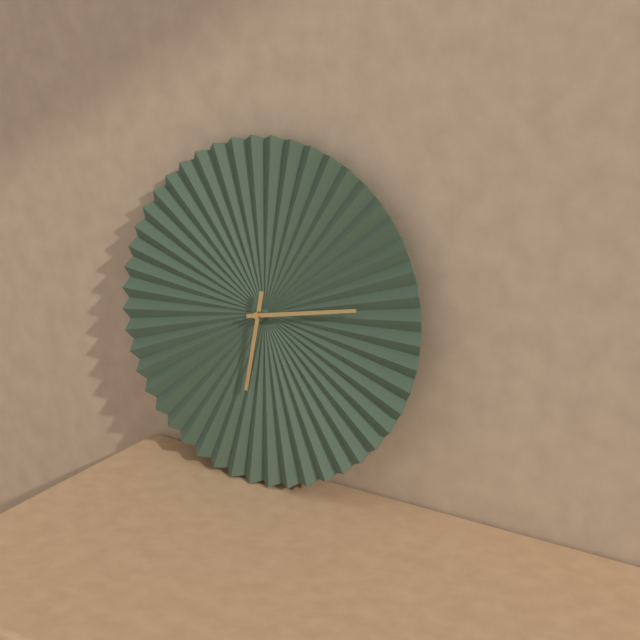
6:13
